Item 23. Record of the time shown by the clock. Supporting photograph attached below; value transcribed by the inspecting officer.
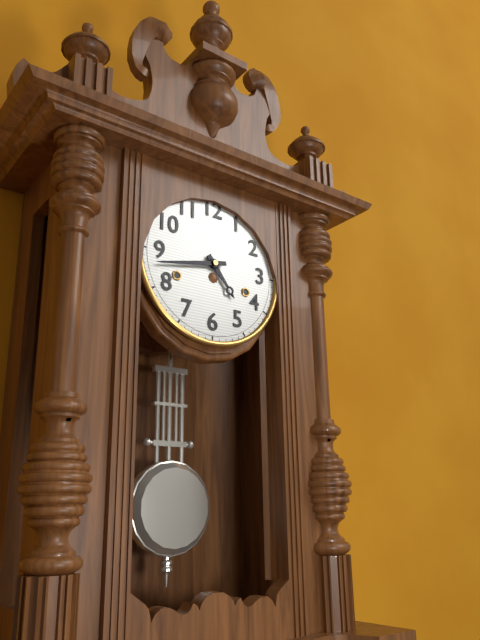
4:43
